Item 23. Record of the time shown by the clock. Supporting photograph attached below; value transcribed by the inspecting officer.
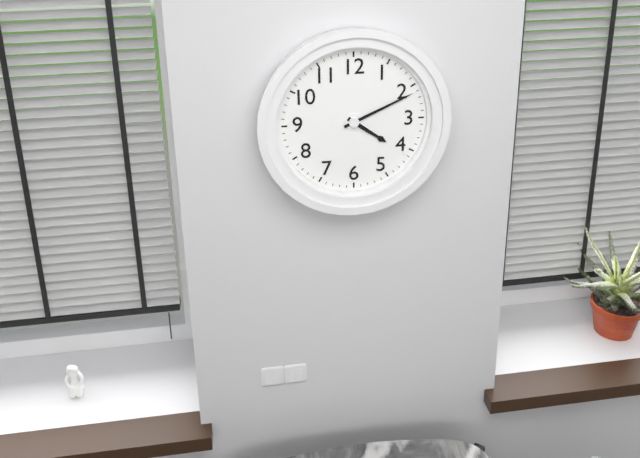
4:11
